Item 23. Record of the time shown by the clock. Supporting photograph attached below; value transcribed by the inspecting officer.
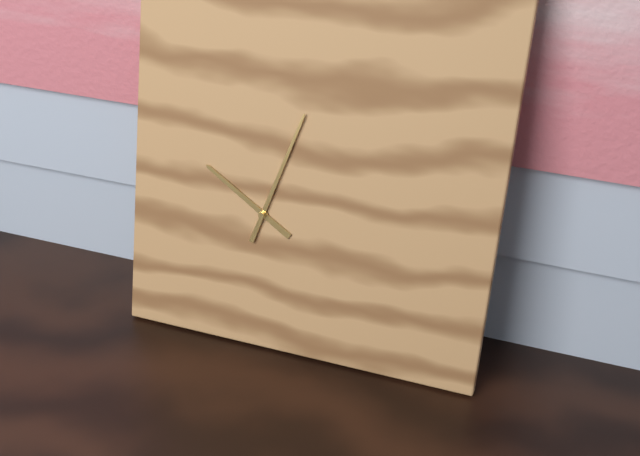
10:03
